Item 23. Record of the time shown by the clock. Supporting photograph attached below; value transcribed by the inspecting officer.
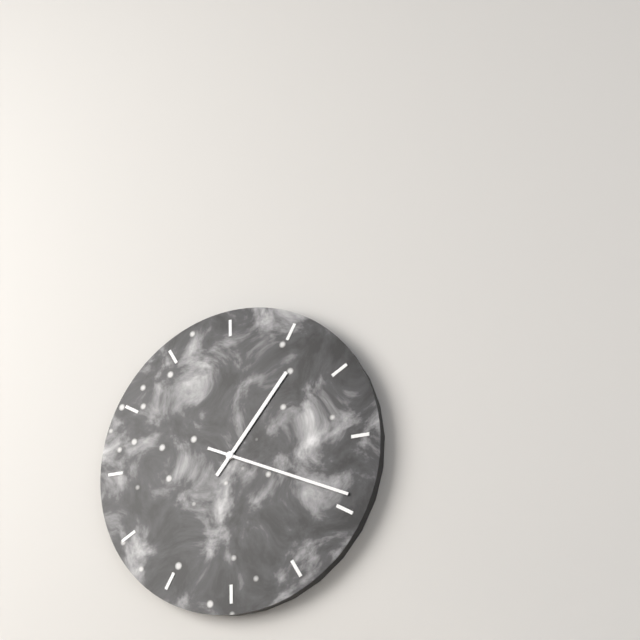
1:19
